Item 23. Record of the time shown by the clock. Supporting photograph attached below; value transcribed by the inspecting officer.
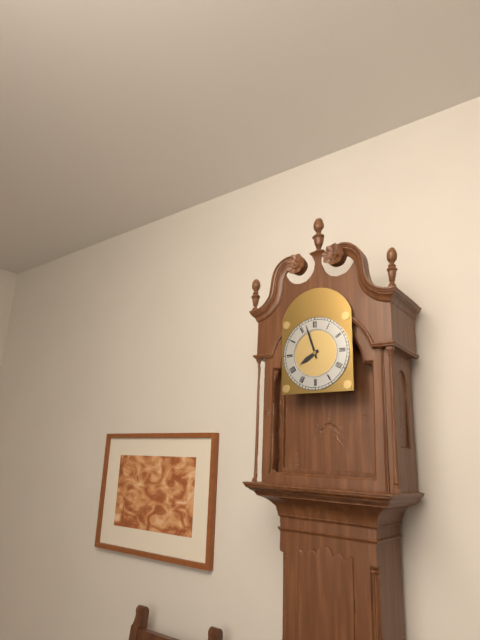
7:57
